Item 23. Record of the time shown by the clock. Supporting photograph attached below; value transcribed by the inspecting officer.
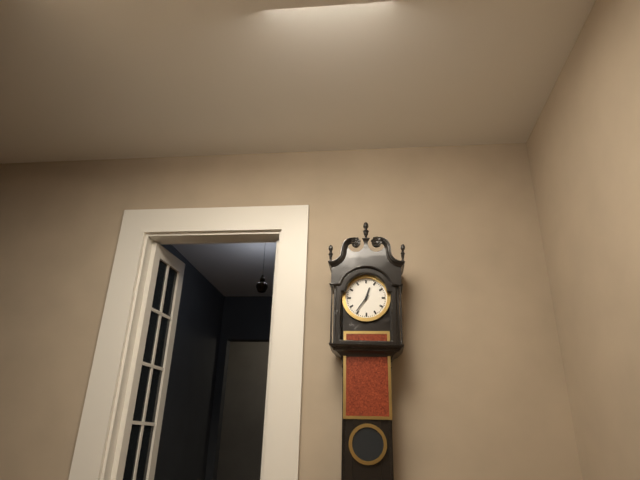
12:36
